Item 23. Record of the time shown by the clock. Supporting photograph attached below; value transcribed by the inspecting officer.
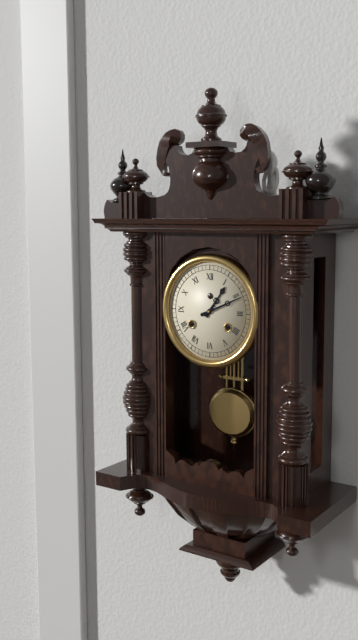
1:11
